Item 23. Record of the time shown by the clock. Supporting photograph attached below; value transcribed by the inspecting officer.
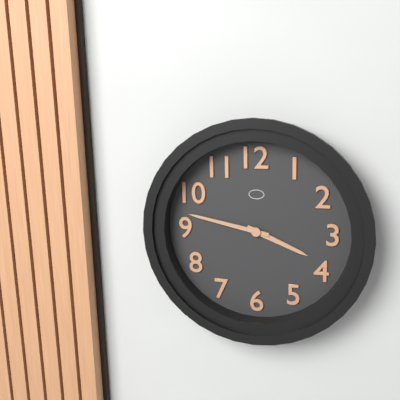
3:47
